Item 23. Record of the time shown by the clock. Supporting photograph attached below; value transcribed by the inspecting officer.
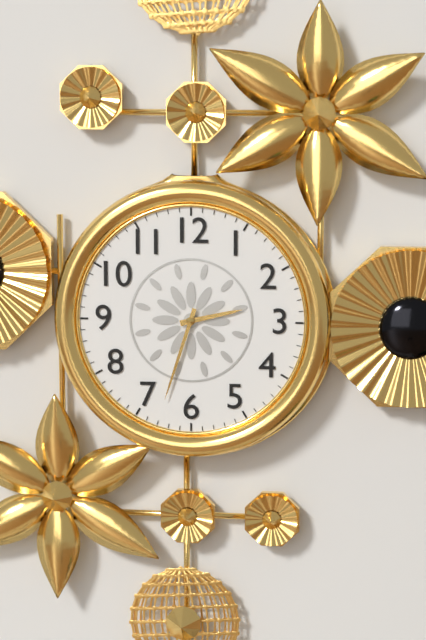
2:33
